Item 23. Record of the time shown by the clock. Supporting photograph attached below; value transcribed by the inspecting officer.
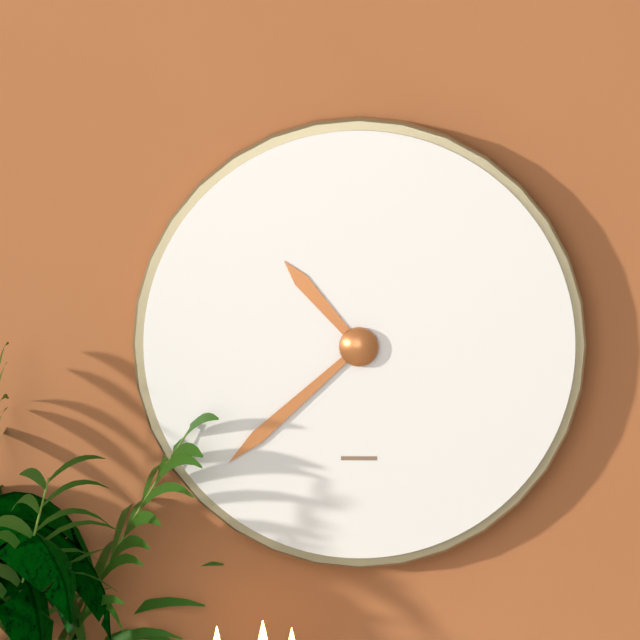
10:38
